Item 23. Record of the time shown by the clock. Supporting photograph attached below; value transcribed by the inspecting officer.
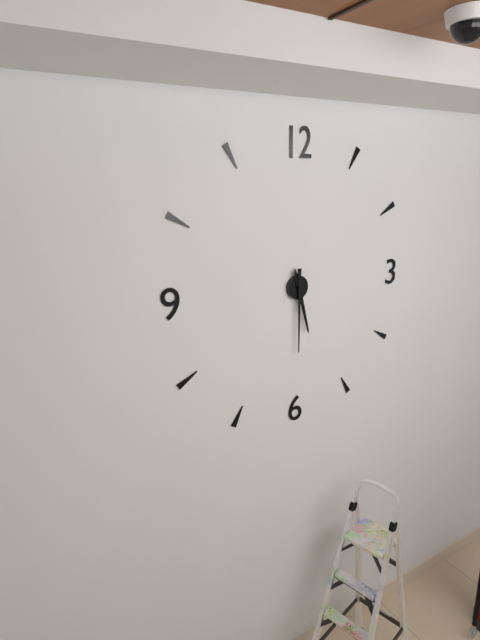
5:30
